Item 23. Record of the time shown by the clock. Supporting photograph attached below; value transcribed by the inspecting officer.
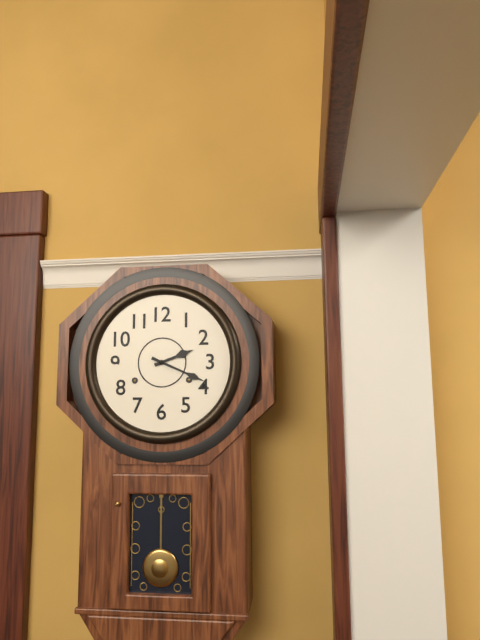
2:19
